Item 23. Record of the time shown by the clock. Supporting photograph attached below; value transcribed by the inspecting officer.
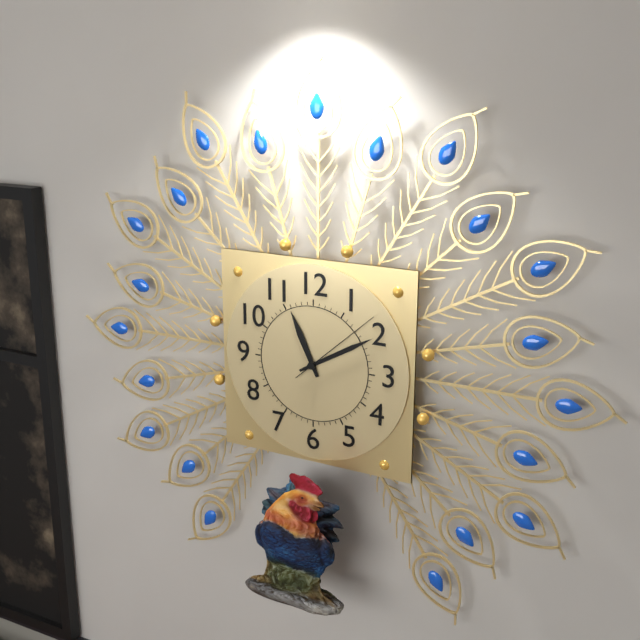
11:10:08
